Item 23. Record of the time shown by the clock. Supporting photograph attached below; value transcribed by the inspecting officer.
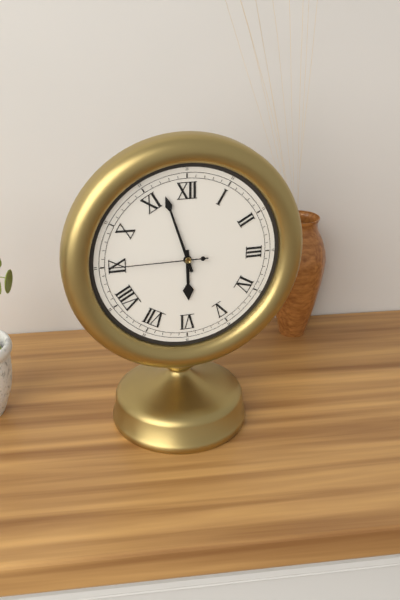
5:57:45
